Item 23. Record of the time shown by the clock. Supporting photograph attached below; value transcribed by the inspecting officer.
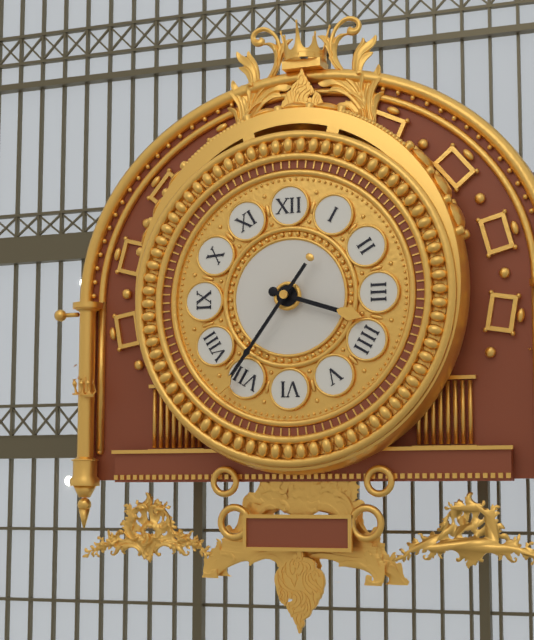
3:36
